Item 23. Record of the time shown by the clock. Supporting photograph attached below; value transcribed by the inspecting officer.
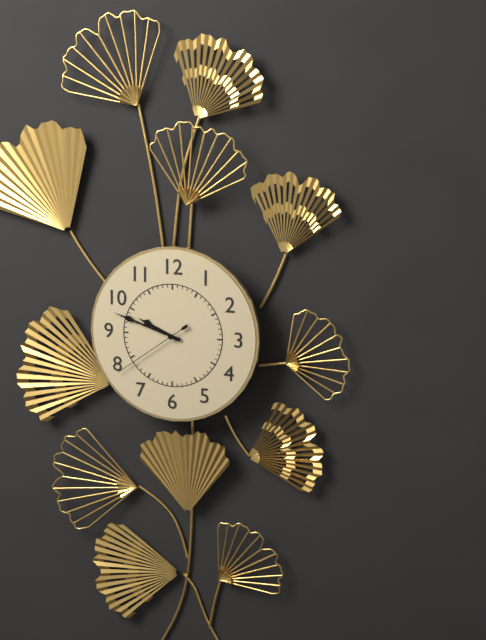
9:48:39
